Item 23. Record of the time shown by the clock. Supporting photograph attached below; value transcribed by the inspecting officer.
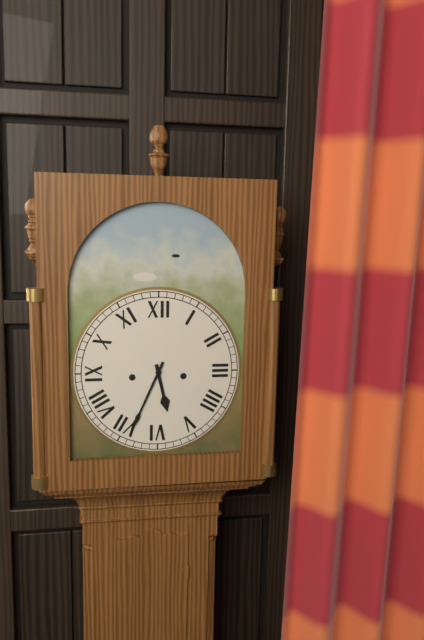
5:34
